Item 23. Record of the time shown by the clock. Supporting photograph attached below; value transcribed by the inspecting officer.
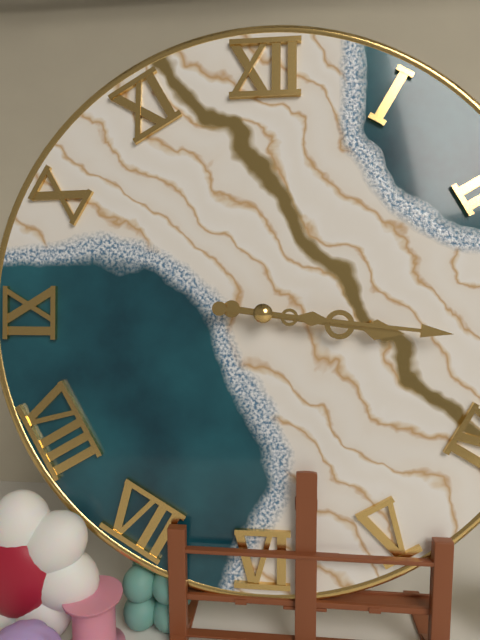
3:16
